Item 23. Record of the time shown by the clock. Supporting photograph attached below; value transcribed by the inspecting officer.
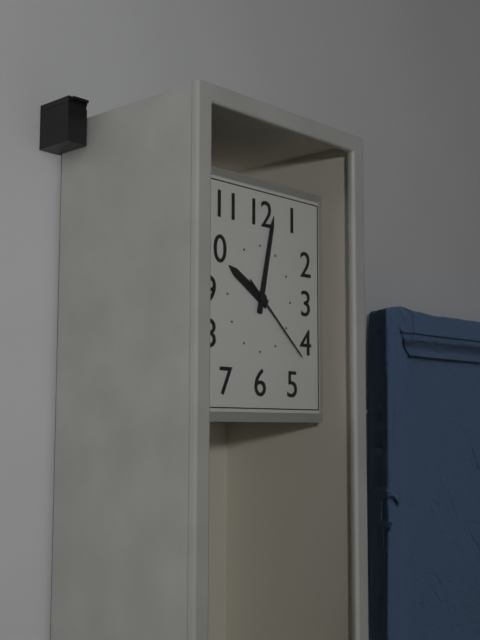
10:02:22
